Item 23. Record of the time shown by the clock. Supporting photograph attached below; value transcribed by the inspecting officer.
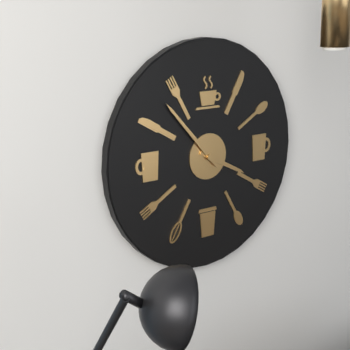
3:53
